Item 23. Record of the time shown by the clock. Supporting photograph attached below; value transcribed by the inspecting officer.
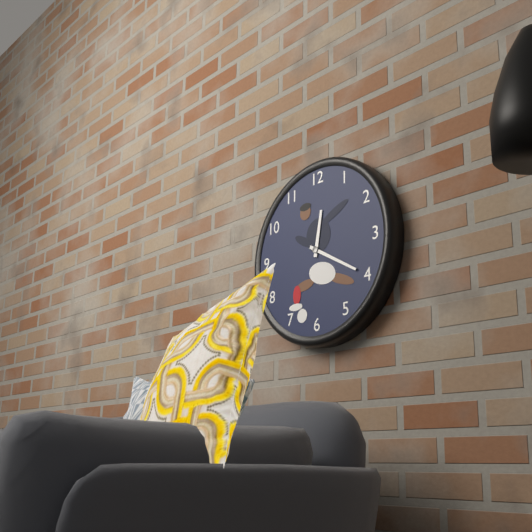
12:20
